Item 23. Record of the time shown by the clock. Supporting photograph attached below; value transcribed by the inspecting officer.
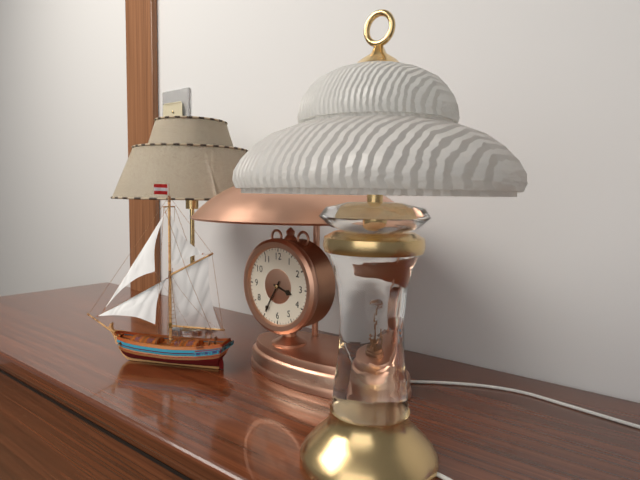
3:35
